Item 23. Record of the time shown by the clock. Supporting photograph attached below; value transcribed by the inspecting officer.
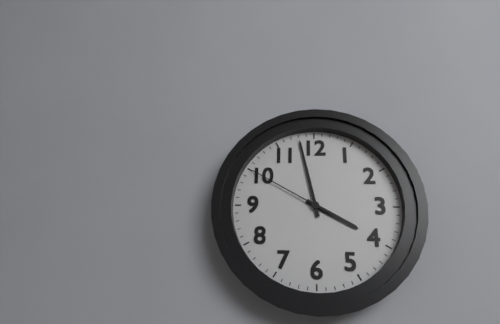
3:58:50
